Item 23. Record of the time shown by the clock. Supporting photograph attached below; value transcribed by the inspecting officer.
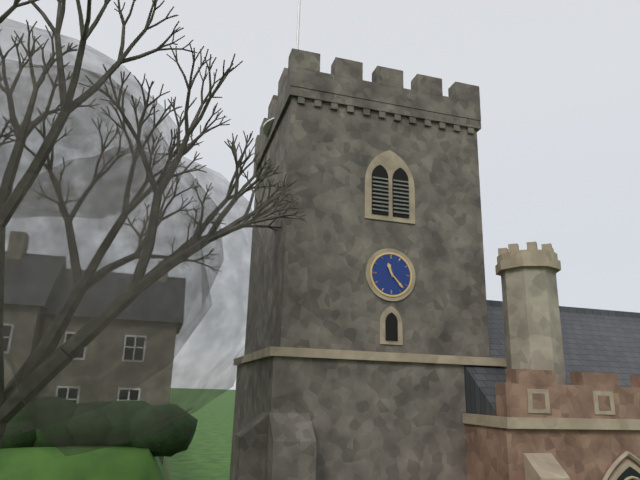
11:23
